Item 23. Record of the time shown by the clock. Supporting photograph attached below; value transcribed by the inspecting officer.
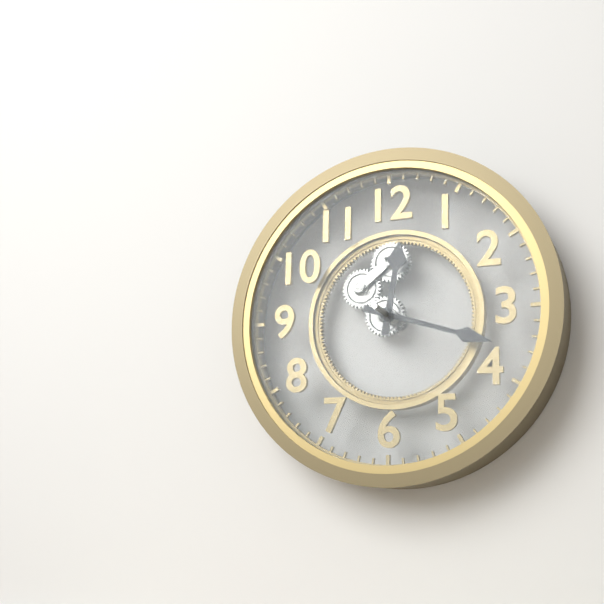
12:18
